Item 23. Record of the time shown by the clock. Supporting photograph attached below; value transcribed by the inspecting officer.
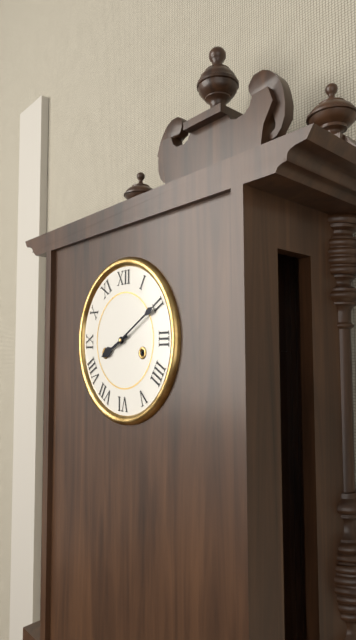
8:10
